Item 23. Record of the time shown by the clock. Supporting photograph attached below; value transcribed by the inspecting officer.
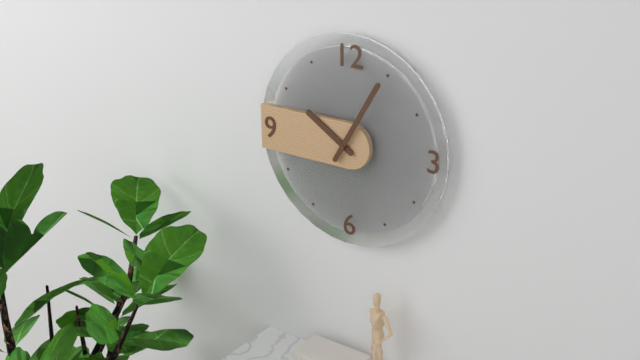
10:05
